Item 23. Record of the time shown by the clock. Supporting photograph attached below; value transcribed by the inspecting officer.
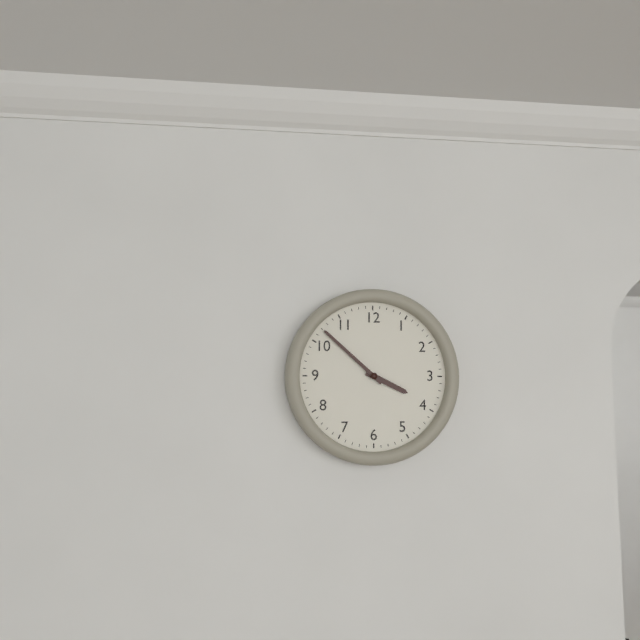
3:52
